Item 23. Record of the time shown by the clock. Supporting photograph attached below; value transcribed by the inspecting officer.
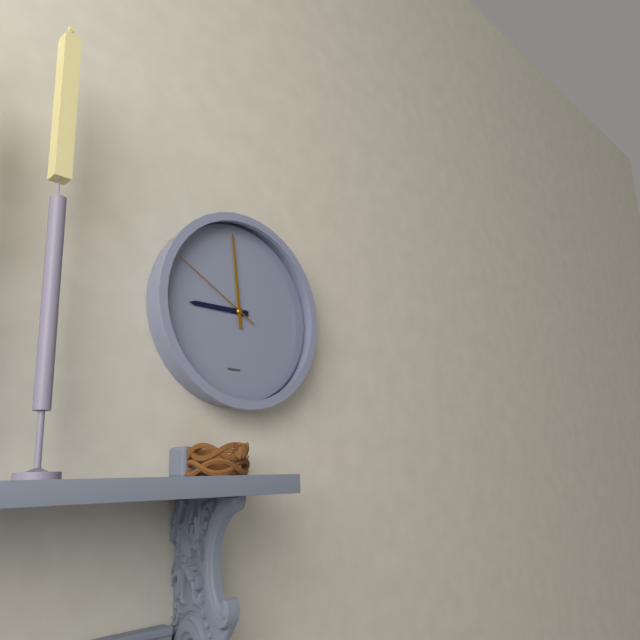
8:59:50
